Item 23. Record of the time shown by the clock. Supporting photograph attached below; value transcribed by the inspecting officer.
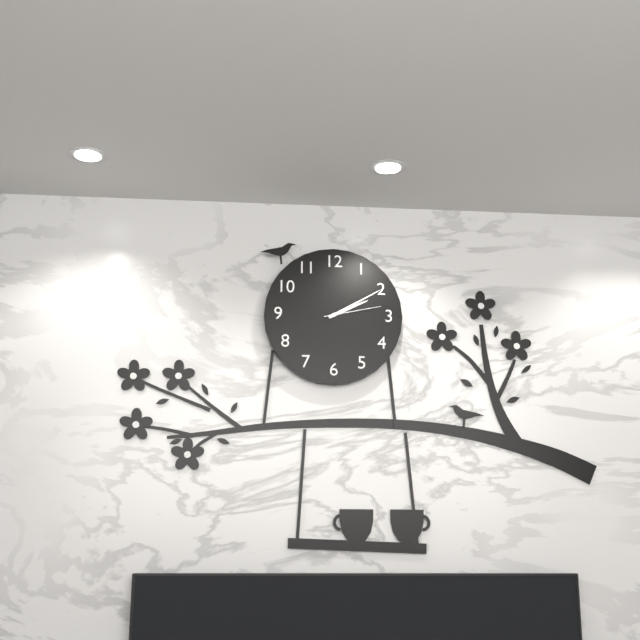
2:10:13
